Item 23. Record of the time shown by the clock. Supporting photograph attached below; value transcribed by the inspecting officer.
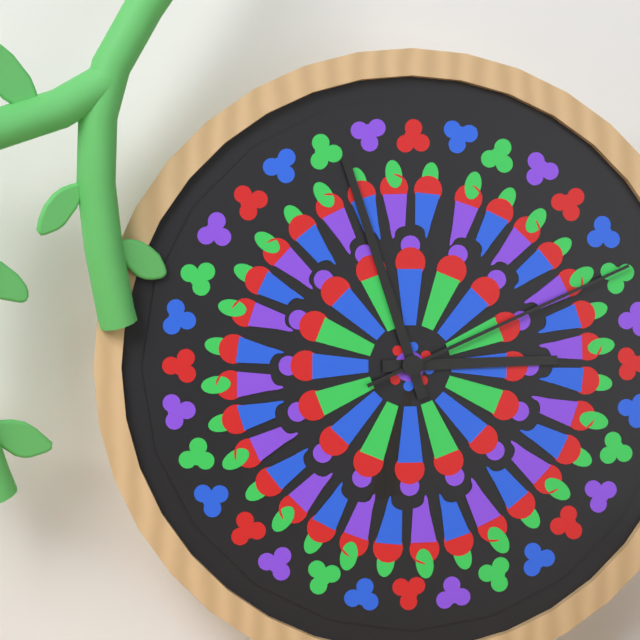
2:57:11
